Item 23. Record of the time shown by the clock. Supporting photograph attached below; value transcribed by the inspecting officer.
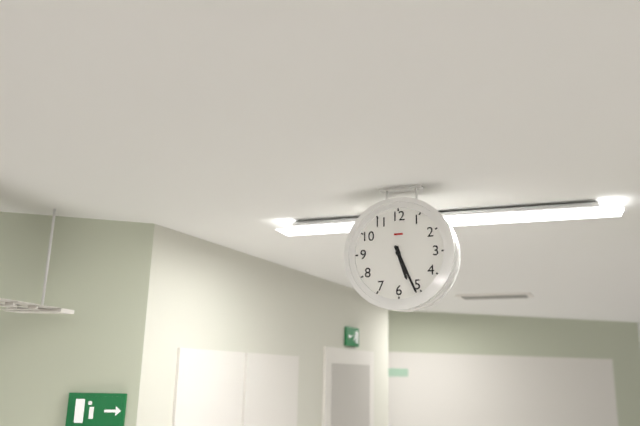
5:26
